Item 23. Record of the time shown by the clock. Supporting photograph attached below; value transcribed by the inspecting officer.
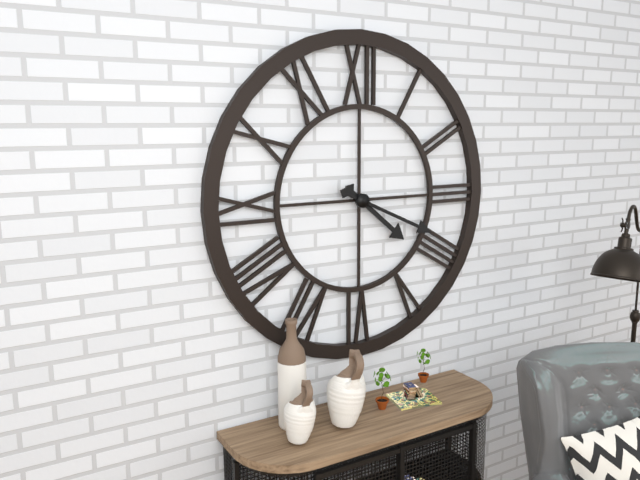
4:19
